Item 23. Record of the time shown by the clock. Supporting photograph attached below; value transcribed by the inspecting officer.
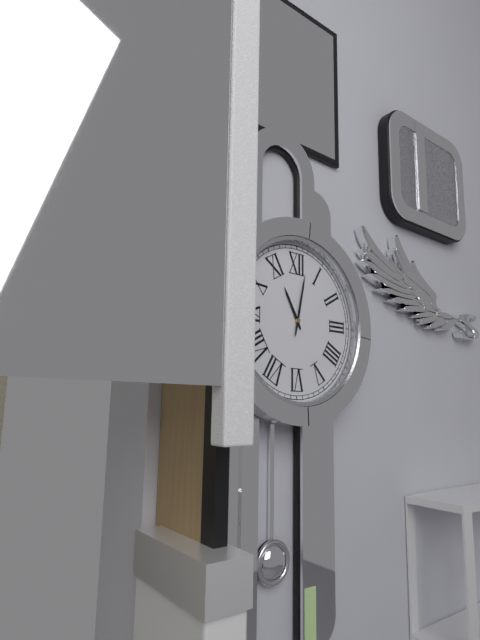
11:02
